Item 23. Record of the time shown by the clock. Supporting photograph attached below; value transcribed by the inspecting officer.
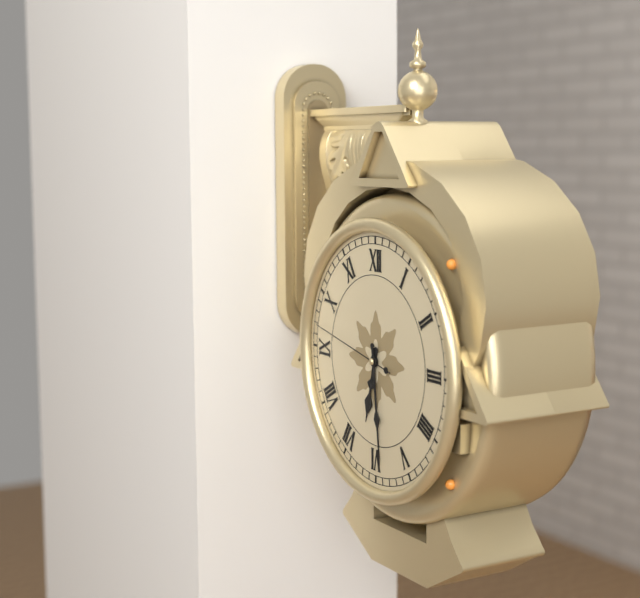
6:29:47
